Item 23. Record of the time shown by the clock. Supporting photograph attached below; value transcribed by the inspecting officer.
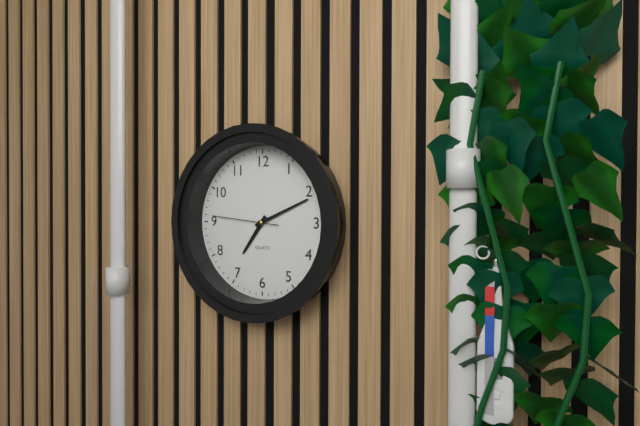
7:11:46
